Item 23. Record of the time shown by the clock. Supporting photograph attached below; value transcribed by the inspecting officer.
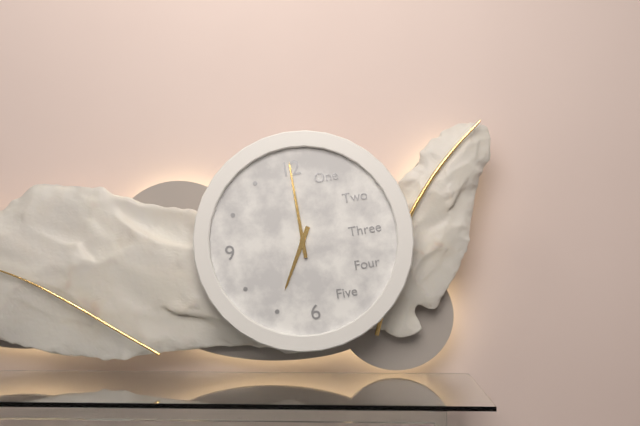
7:00
